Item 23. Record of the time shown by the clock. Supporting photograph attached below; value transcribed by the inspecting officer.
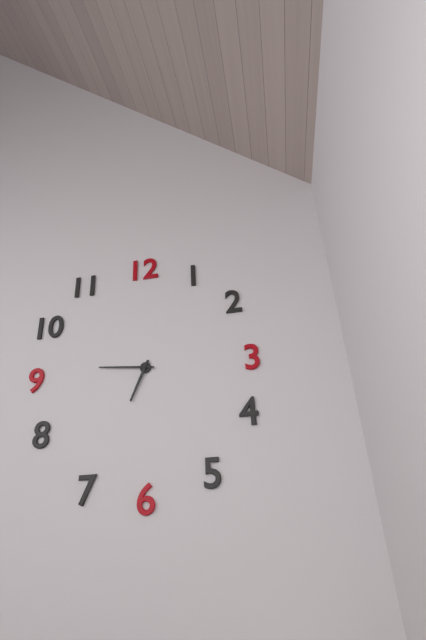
6:46
